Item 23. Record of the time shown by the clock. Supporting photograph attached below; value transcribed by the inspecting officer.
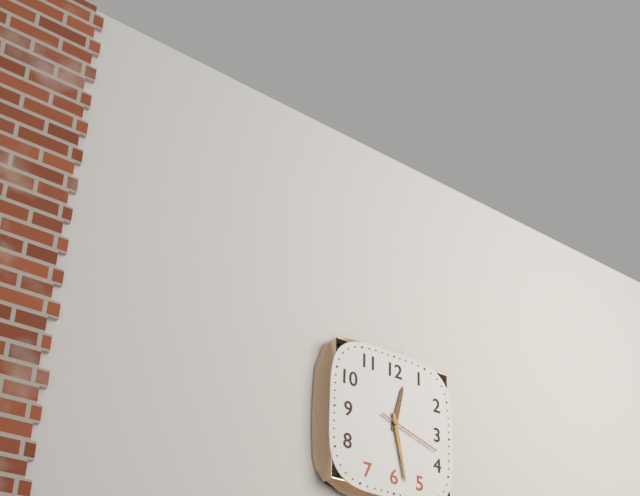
12:28:18
